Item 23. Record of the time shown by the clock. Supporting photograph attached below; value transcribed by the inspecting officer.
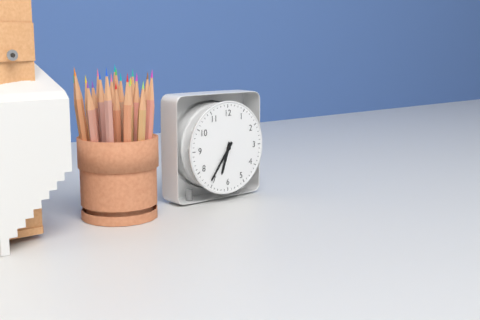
6:36
